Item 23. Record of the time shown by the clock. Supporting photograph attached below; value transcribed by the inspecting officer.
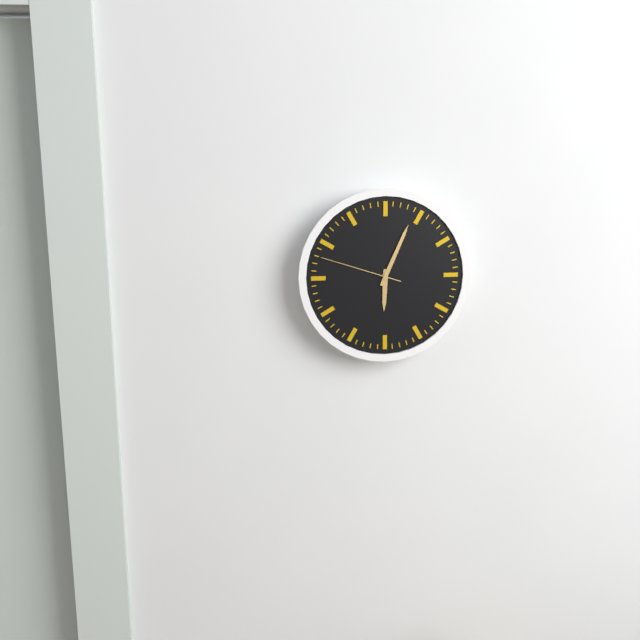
6:04:48
